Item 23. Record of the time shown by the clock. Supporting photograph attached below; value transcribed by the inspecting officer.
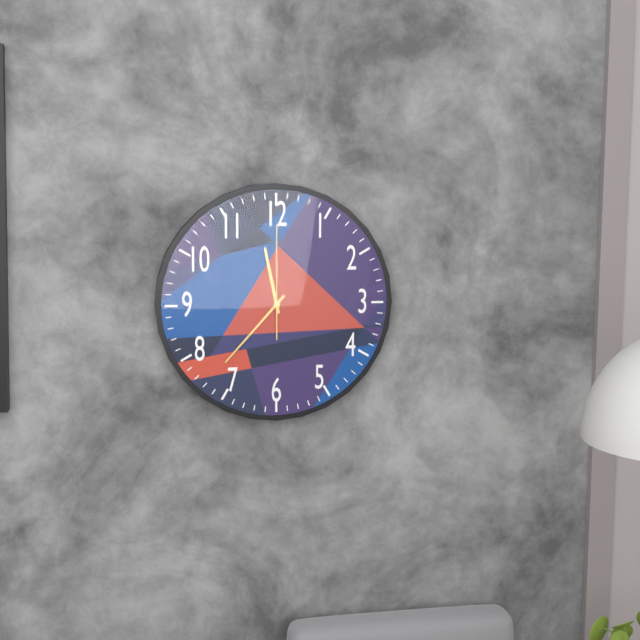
11:37:00
